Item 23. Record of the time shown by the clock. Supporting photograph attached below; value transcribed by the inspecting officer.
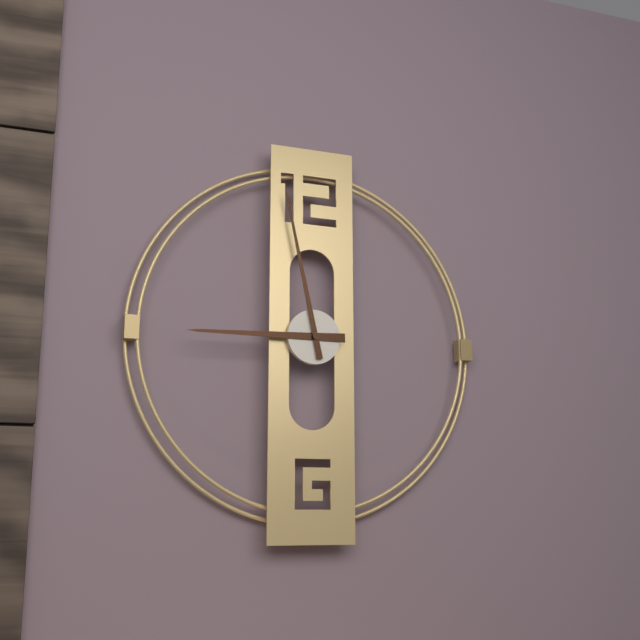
8:58
